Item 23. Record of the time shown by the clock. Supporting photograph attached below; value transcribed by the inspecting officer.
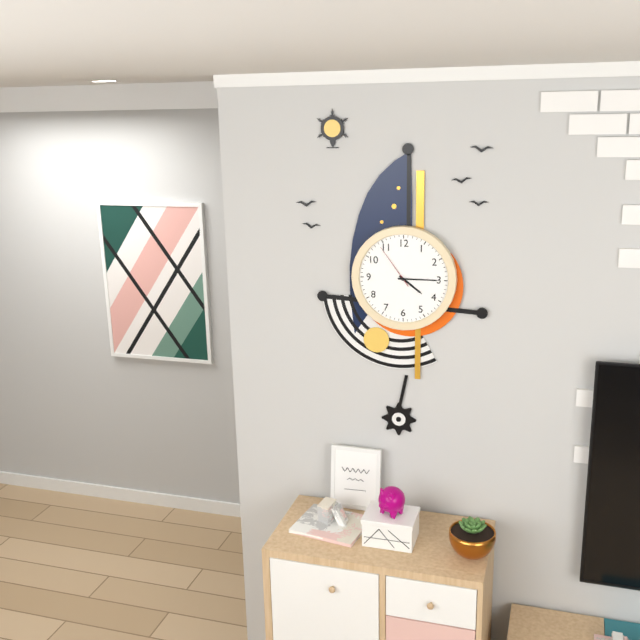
4:15
